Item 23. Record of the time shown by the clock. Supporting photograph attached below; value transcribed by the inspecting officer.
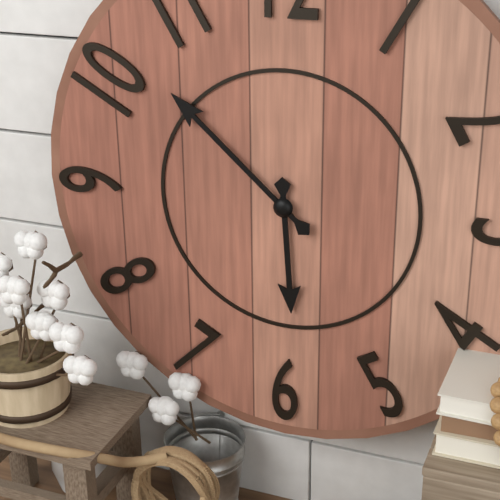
5:52
